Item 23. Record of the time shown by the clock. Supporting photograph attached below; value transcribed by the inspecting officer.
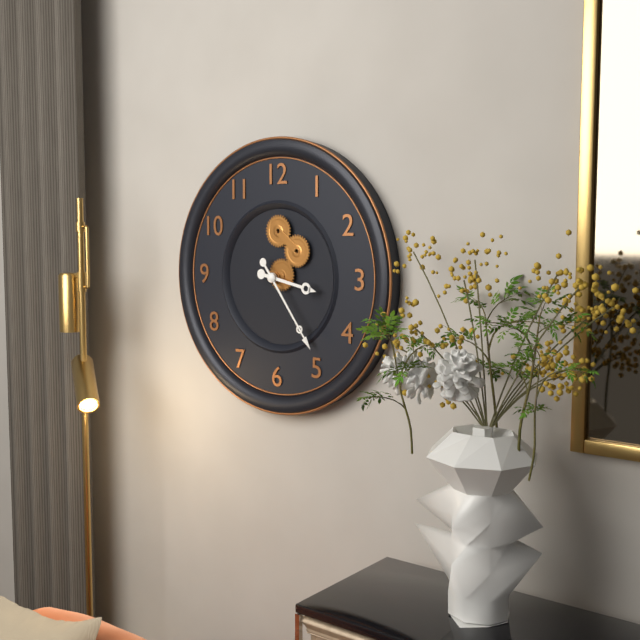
3:24
